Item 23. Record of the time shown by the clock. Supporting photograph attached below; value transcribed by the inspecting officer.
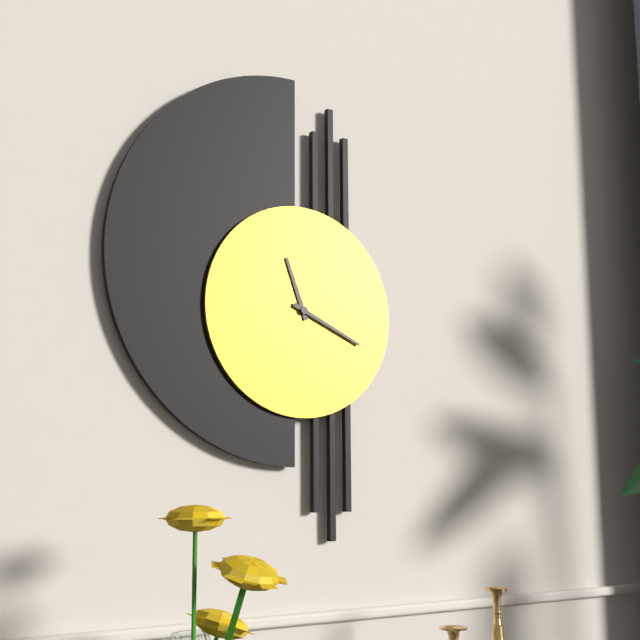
11:19
